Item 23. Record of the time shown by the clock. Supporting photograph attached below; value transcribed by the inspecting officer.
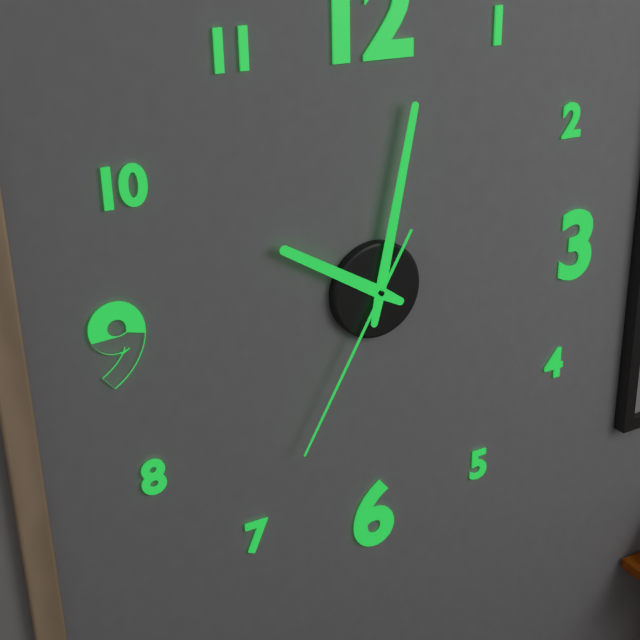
10:02:35
